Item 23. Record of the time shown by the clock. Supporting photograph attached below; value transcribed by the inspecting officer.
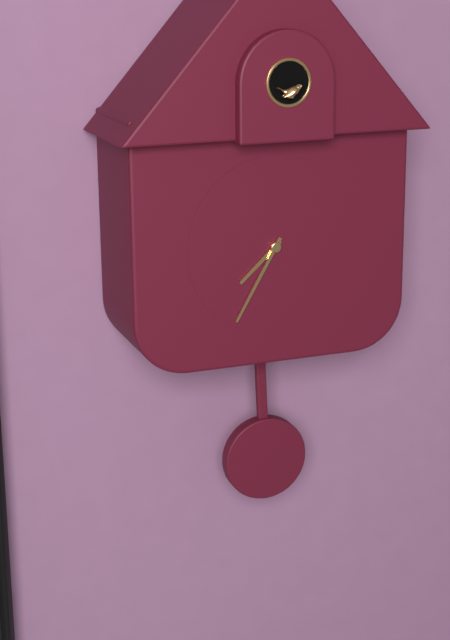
7:35
